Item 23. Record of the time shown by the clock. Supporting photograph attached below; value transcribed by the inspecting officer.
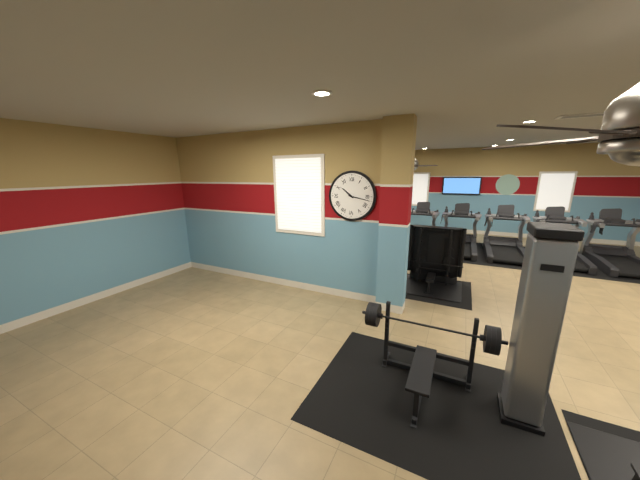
10:17
